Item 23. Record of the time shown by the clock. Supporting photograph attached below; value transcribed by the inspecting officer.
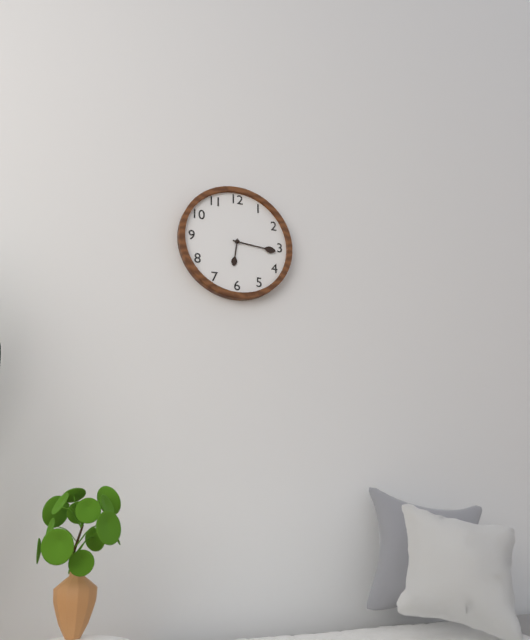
6:16
